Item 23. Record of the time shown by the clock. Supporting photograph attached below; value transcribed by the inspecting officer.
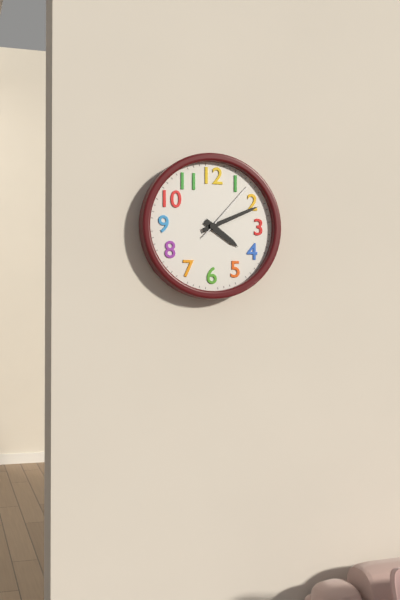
4:11:07
